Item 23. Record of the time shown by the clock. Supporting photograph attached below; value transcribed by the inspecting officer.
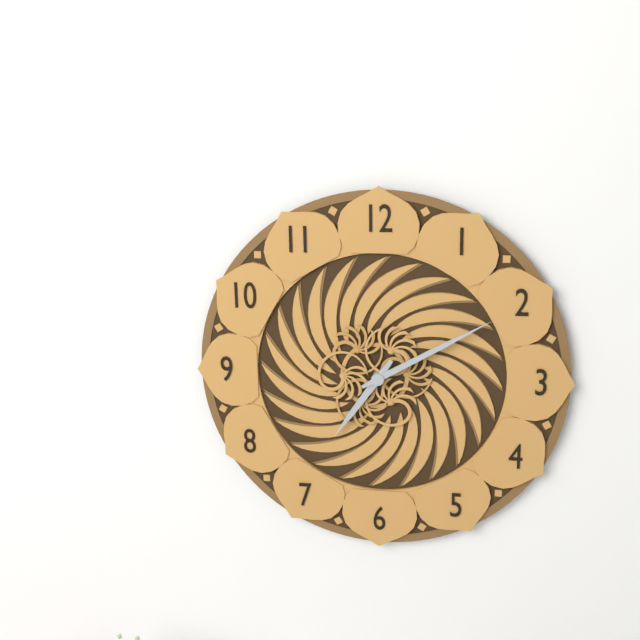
7:10
